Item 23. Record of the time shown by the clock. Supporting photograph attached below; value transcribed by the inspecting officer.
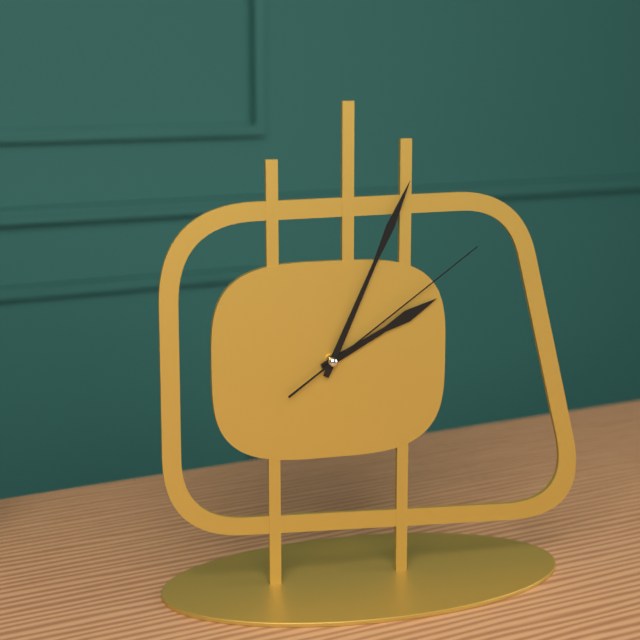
2:04:09
